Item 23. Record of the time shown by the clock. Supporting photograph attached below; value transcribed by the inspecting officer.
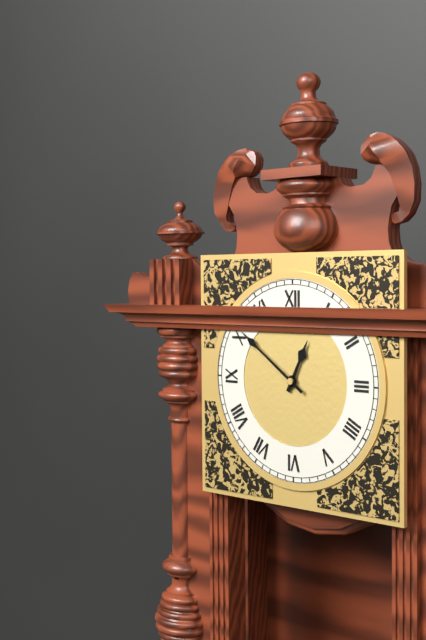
12:51
